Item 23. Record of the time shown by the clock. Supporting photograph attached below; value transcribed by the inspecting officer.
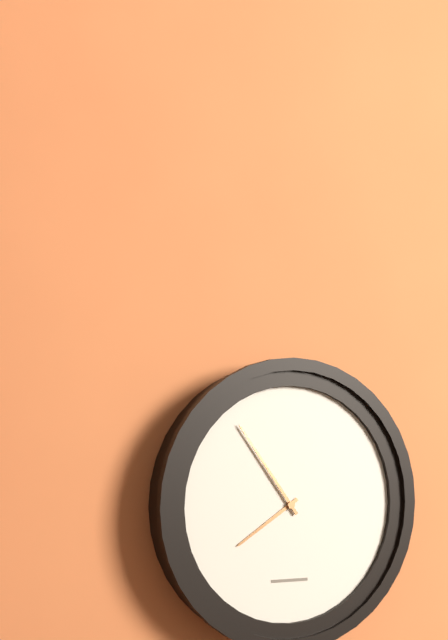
7:54
